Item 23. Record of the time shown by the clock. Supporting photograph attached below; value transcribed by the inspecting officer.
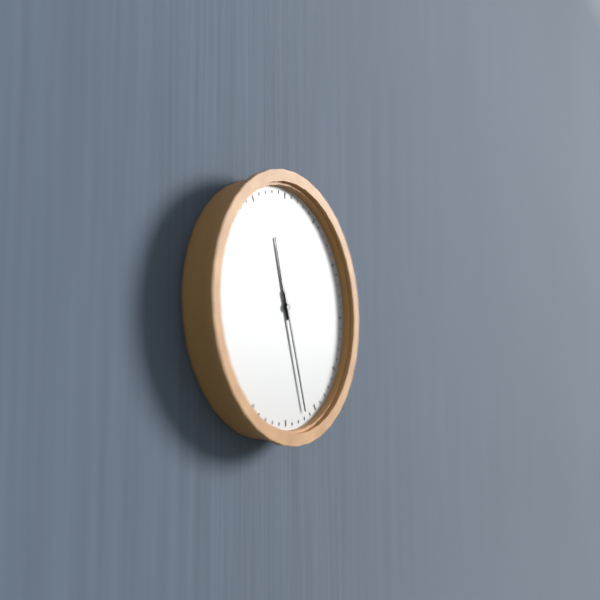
11:27
